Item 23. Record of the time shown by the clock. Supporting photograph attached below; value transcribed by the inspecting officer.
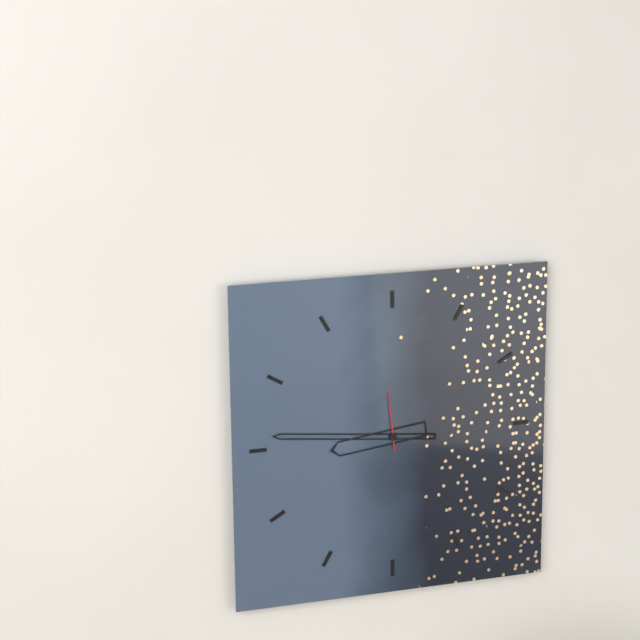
8:46:59
